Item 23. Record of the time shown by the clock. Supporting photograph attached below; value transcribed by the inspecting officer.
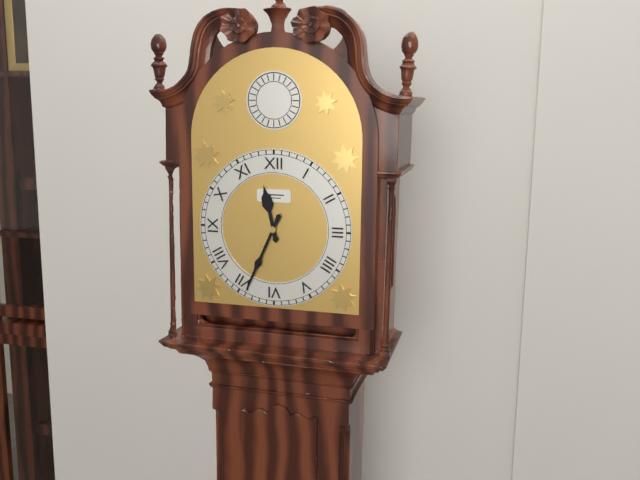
11:34
